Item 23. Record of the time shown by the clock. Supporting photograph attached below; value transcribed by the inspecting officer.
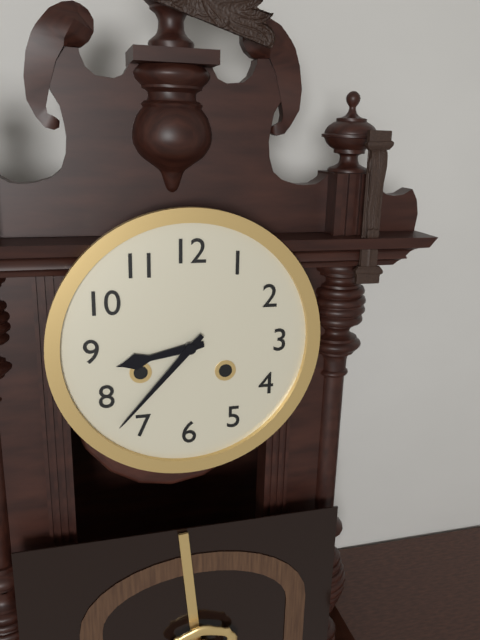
8:37
